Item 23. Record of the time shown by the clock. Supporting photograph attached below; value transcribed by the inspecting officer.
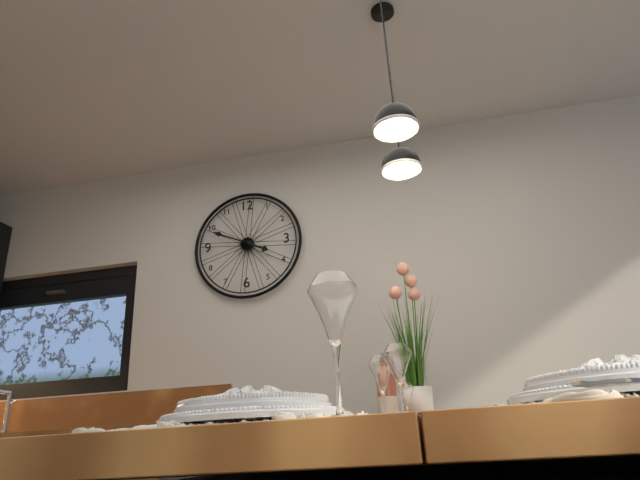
3:49
